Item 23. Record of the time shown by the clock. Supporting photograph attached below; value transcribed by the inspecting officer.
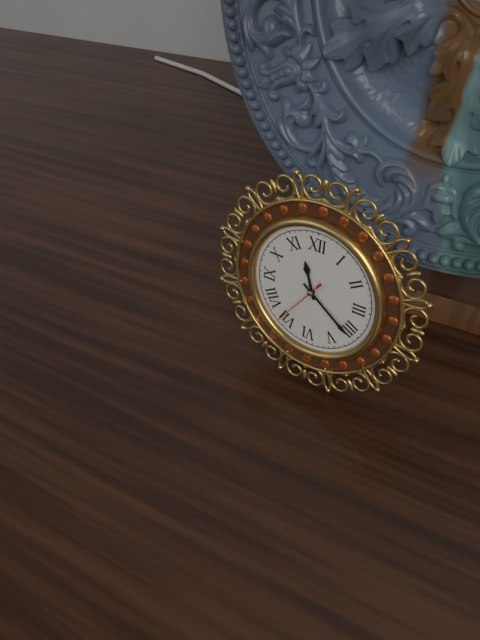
11:21:36
